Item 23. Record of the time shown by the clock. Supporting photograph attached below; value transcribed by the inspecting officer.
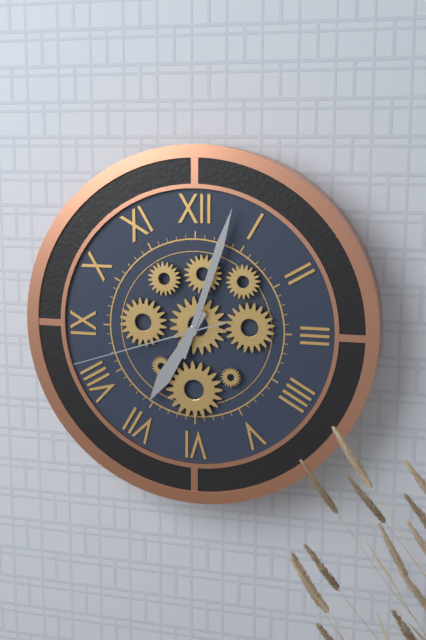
7:03:42
